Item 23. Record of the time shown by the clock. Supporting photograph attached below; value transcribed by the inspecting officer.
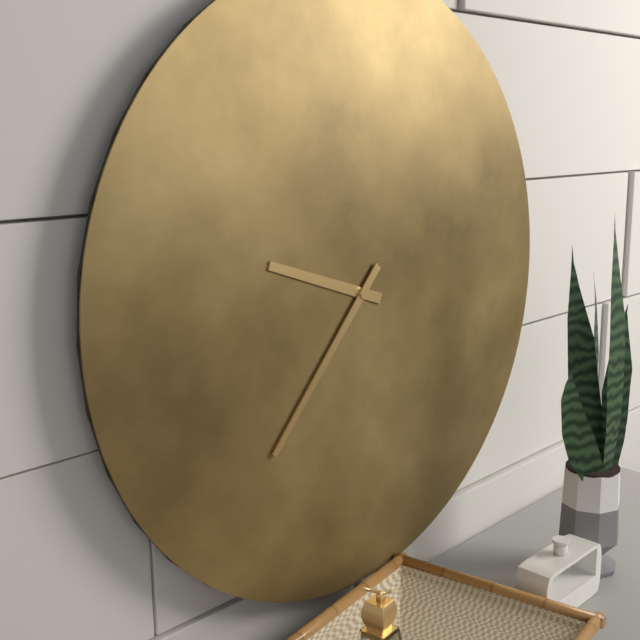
9:37
